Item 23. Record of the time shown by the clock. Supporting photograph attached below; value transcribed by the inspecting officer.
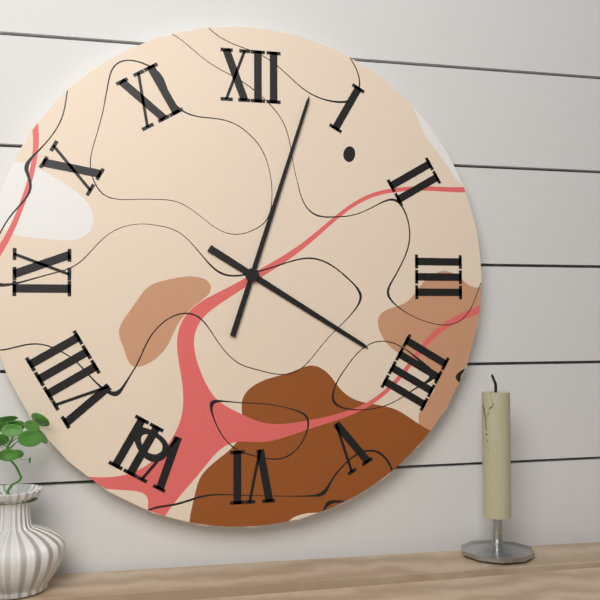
4:03
